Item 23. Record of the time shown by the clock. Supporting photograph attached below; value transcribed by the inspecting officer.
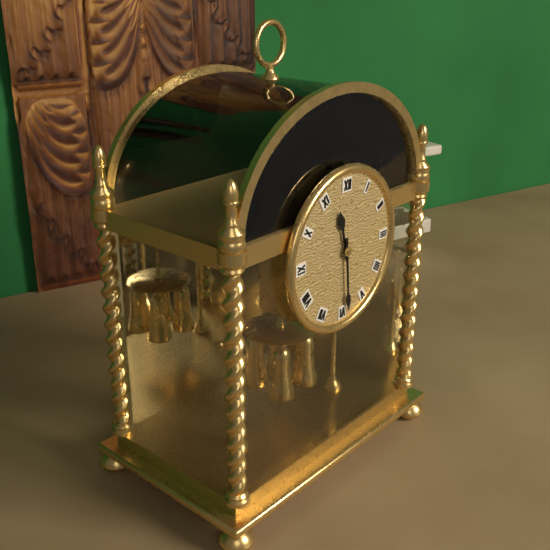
11:29
